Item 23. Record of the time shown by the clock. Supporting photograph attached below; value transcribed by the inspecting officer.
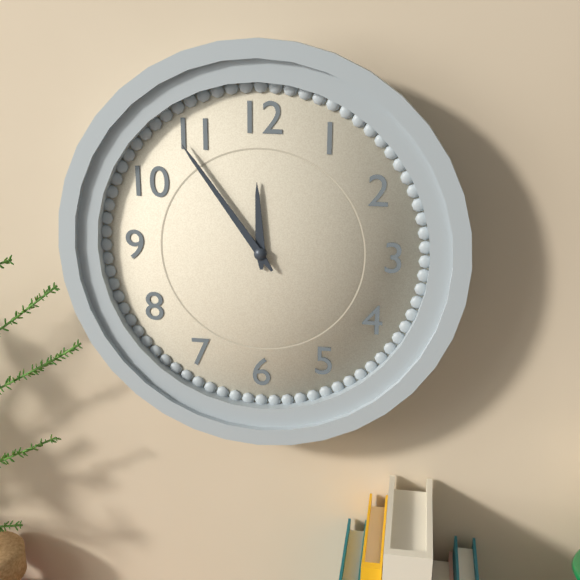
11:54
